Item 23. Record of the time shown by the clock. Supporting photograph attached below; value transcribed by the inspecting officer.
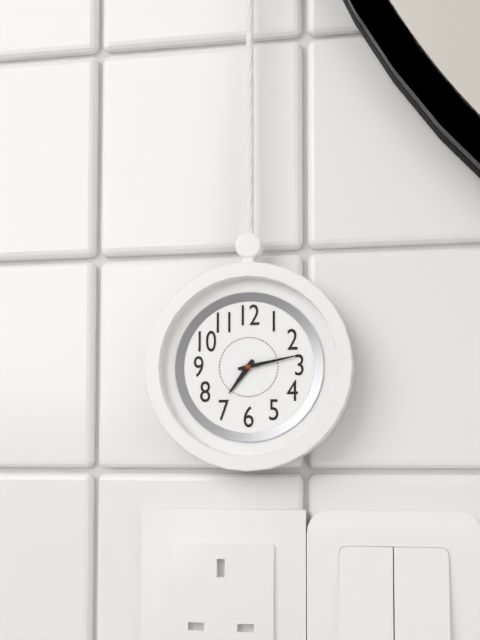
7:13
